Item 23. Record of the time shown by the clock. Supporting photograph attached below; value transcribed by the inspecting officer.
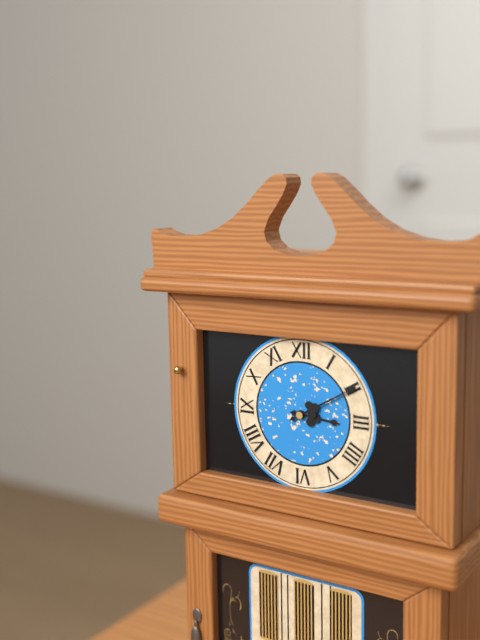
3:10
